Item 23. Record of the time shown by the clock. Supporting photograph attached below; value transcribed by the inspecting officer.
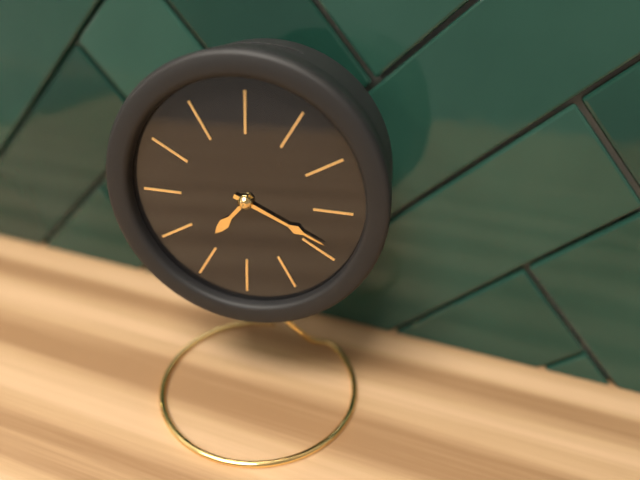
7:19
